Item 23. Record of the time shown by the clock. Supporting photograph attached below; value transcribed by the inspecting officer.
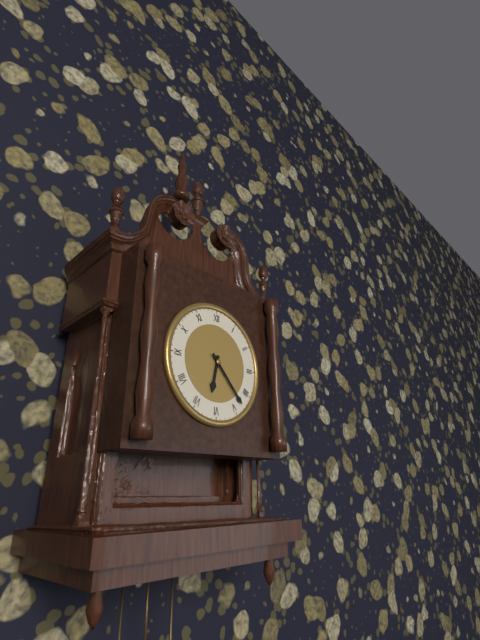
6:23
